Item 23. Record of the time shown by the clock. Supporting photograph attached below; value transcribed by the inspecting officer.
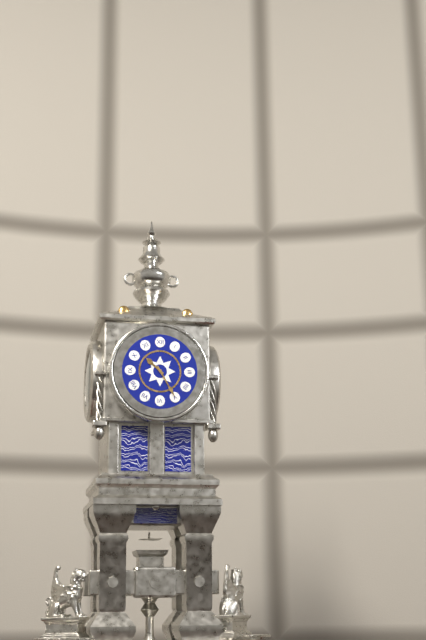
10:25
